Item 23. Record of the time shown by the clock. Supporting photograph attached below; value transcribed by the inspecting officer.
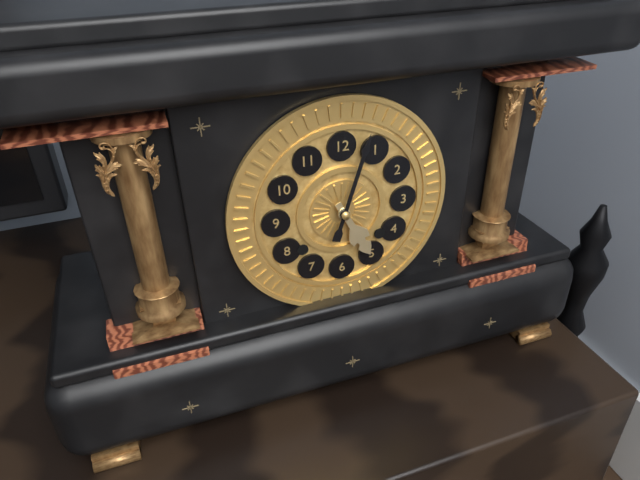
5:03
